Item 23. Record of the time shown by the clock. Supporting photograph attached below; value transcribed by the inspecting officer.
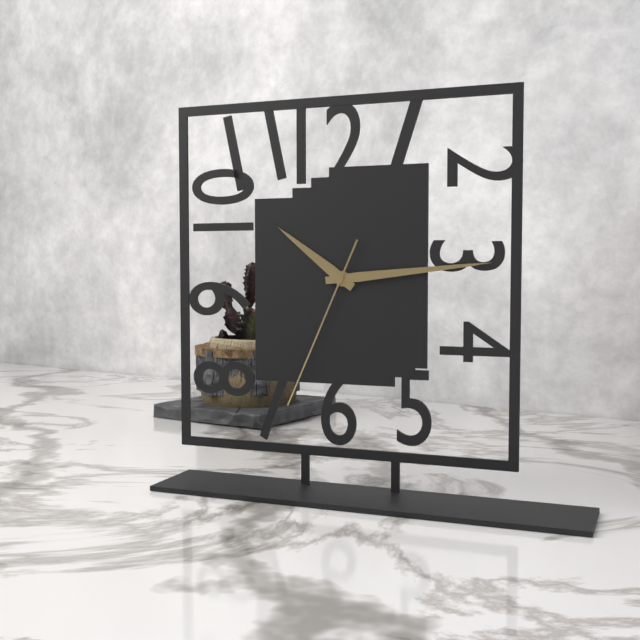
10:14:34
